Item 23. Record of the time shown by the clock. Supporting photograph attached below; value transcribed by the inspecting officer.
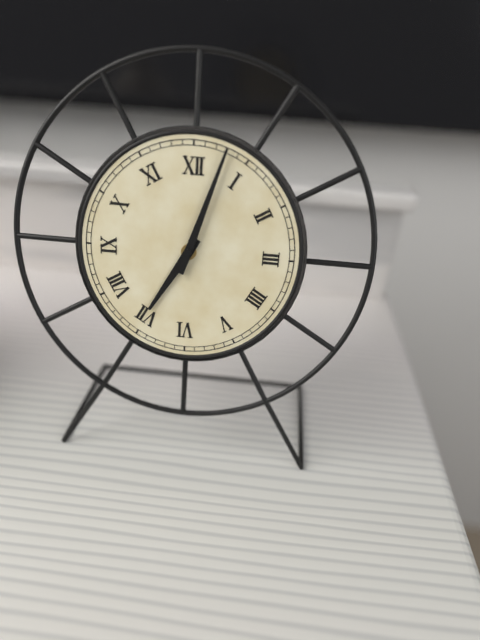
7:03
